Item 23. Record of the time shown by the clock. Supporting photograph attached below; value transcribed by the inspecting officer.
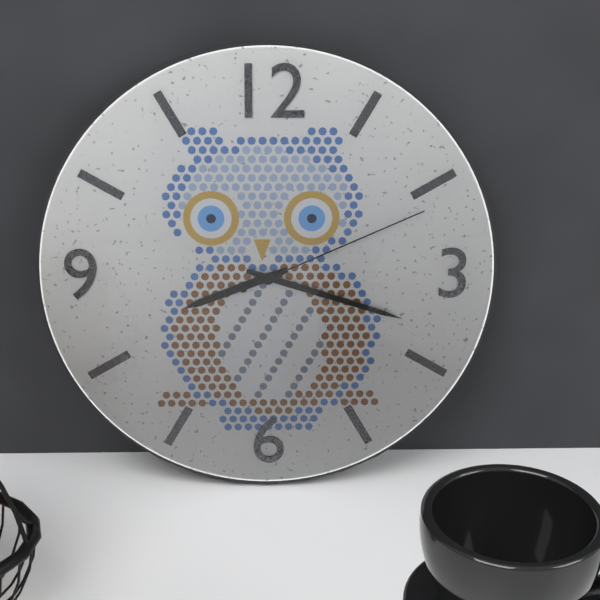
8:18:11
